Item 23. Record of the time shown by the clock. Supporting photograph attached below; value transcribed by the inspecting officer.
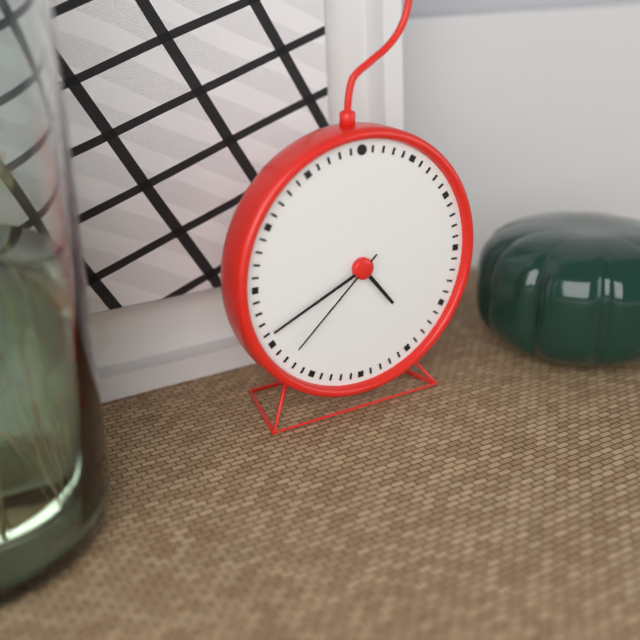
4:41:38
